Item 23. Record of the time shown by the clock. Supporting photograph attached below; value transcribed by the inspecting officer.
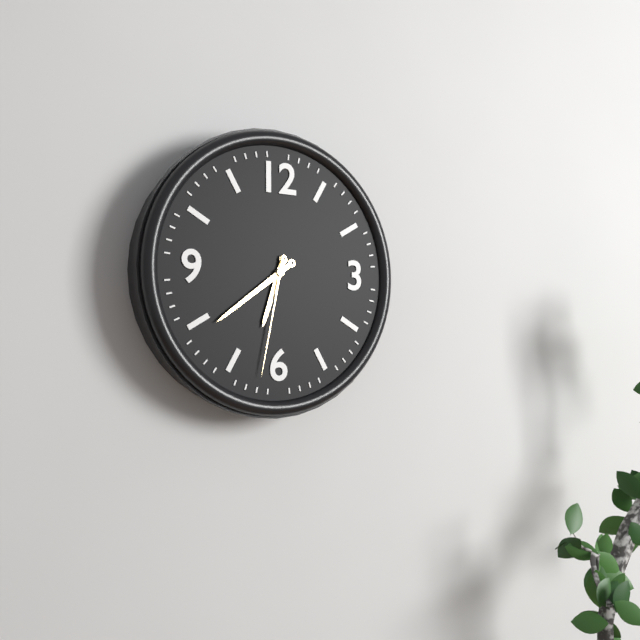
6:39:32
